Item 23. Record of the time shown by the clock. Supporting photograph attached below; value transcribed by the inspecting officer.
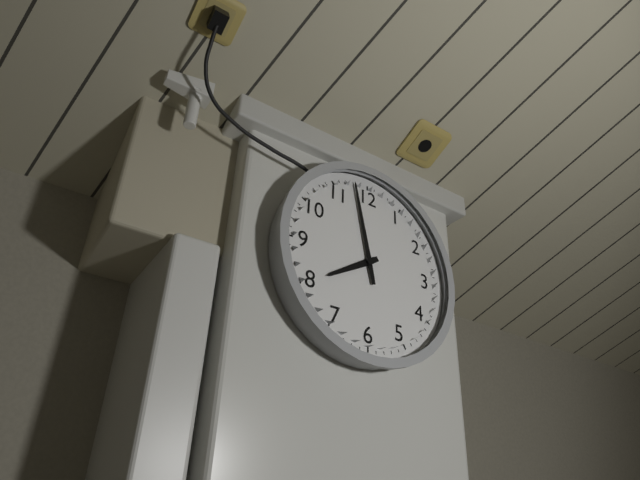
7:58
